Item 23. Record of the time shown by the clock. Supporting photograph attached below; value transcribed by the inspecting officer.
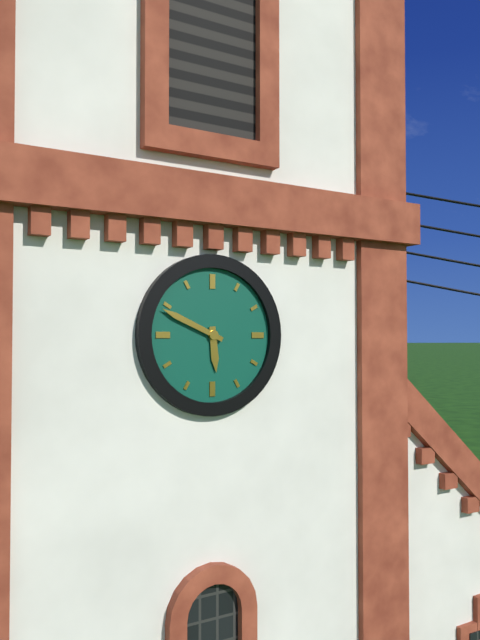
5:49
